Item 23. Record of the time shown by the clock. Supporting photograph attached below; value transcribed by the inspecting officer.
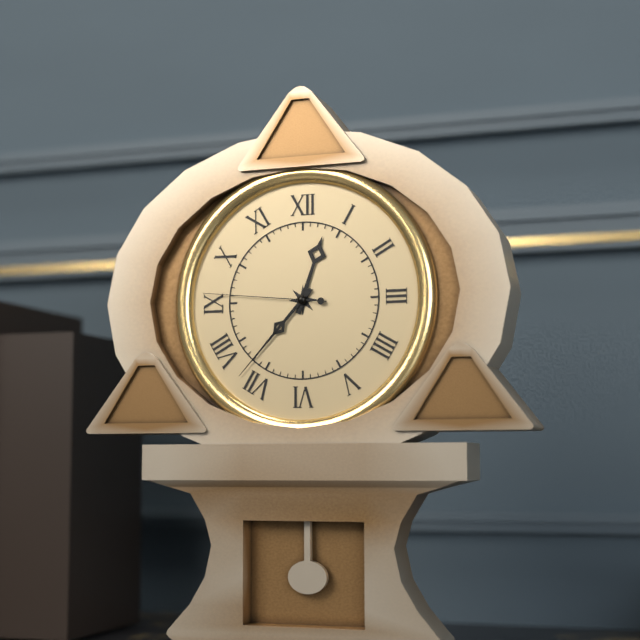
12:37:46
